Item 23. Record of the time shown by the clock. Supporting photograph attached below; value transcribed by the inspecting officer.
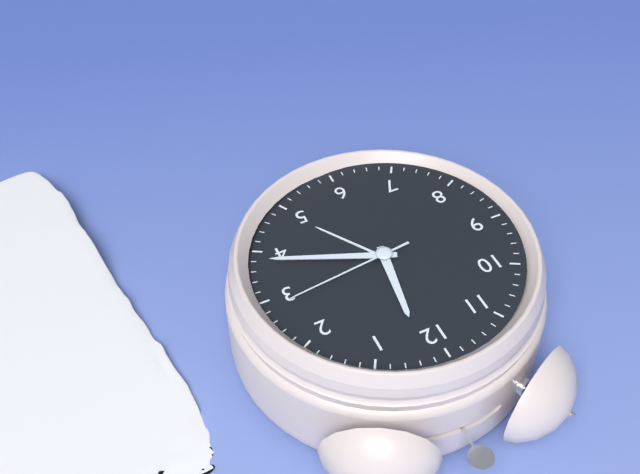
12:19:14
